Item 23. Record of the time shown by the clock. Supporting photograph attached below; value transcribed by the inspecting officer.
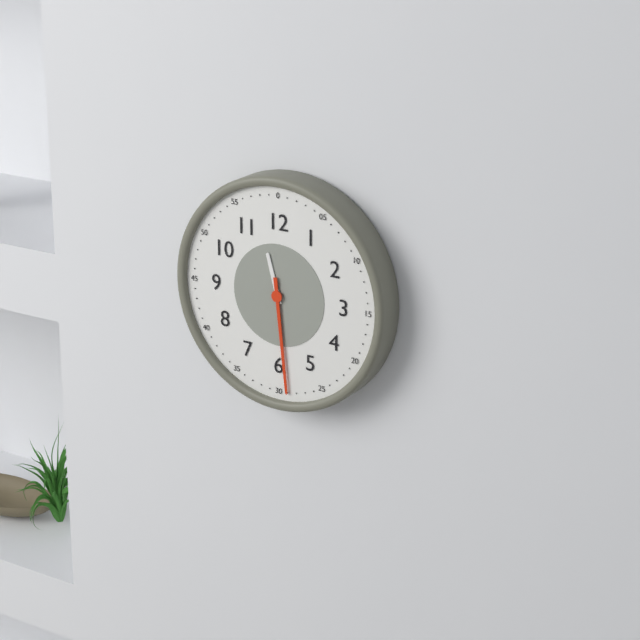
11:29
